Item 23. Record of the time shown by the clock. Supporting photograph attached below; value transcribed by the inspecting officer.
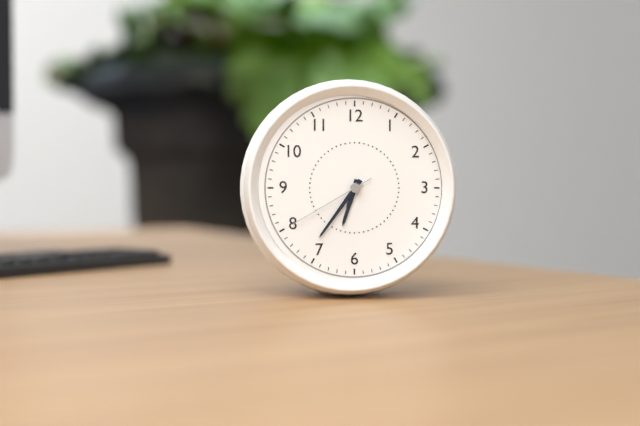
6:36:40
